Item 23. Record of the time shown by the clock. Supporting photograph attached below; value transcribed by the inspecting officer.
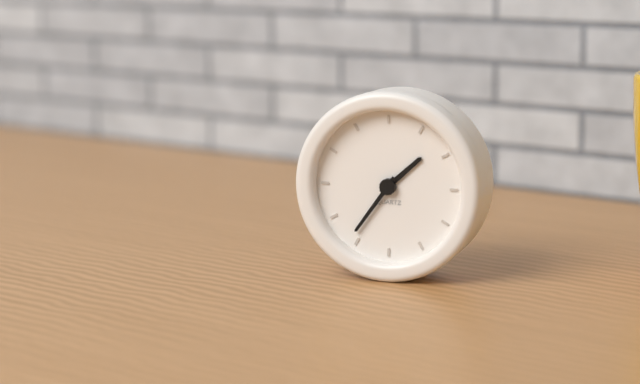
1:36
